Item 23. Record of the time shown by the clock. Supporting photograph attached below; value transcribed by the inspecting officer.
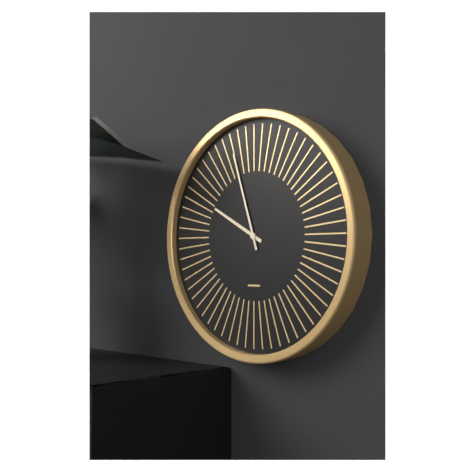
9:57
